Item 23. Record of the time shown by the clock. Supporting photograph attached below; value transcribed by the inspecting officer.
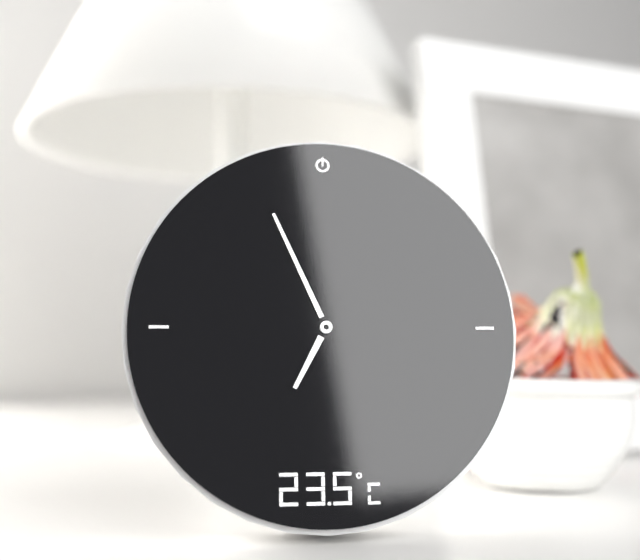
6:56
